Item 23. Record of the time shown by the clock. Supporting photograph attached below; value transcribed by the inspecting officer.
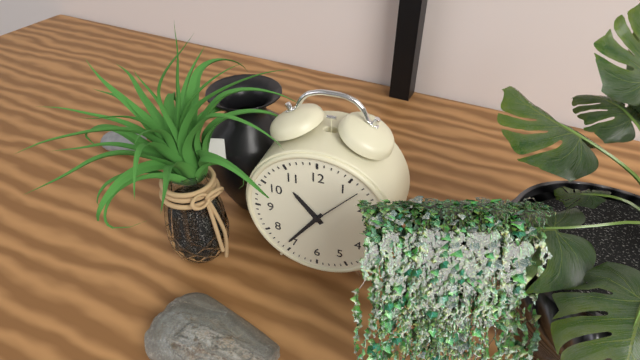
10:36:07
